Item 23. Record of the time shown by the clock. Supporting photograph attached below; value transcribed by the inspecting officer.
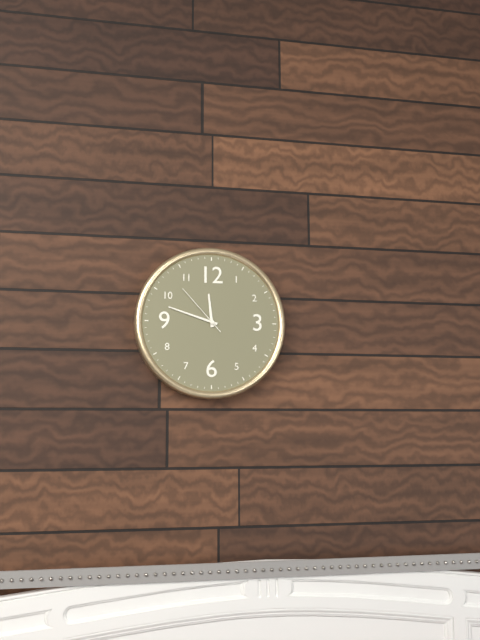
11:48:53
